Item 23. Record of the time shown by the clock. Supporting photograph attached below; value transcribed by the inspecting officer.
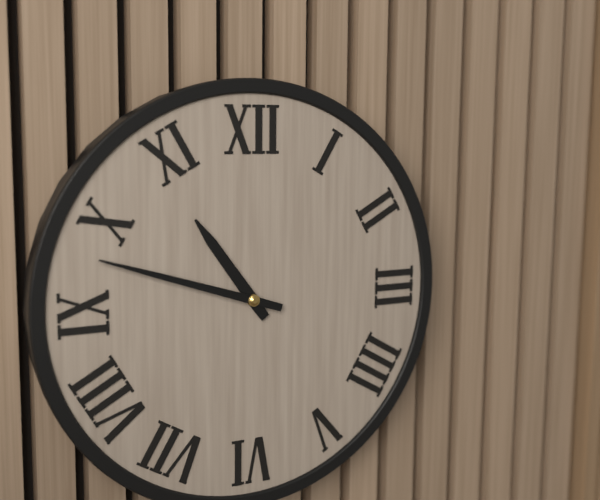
10:48
